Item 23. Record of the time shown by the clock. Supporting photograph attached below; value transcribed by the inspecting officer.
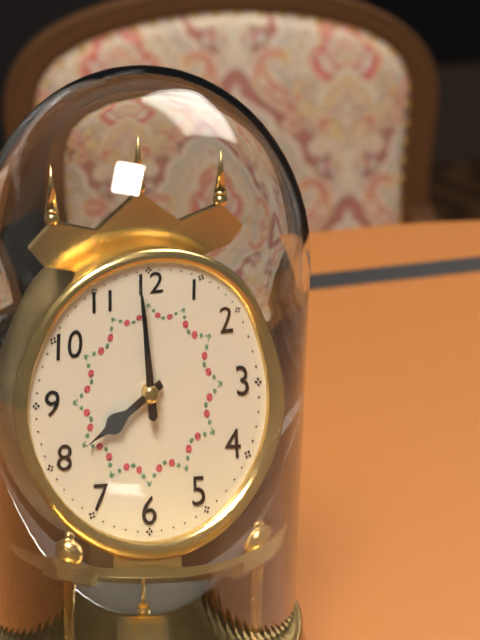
7:59
